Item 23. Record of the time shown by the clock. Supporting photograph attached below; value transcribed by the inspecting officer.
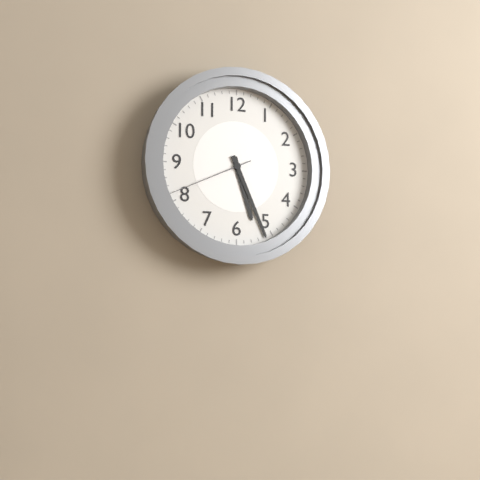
5:26:41
